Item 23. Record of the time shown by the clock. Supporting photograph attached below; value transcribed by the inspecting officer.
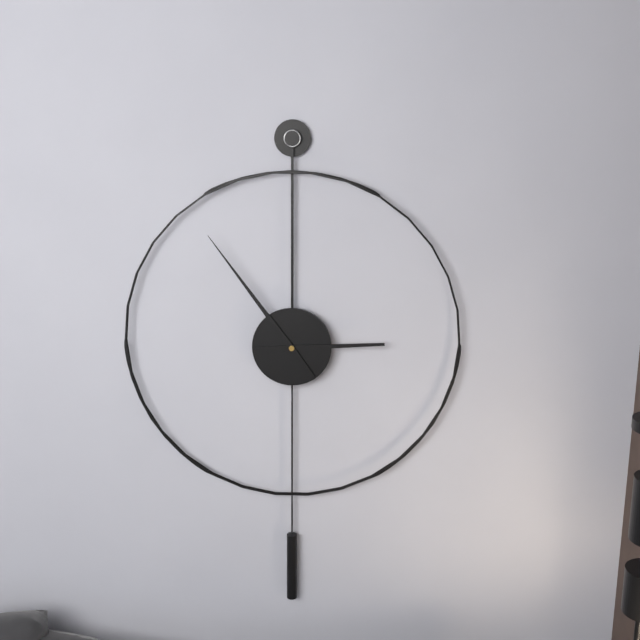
2:54
